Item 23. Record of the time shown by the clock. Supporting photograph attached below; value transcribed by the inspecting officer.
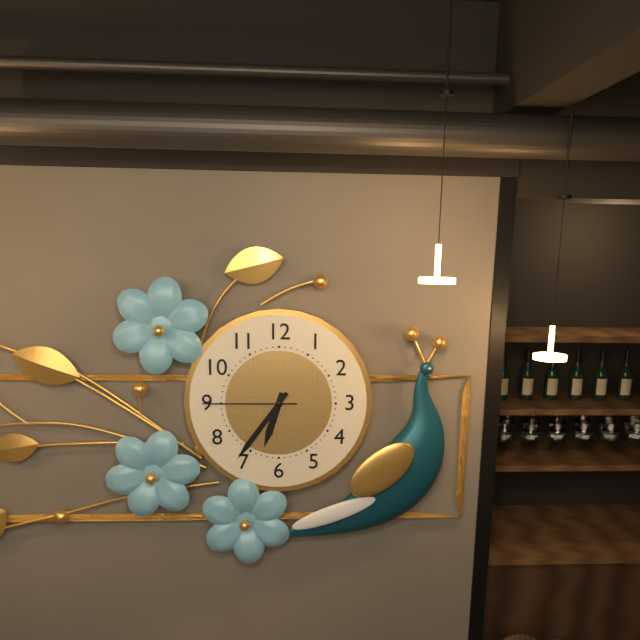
6:36:45
